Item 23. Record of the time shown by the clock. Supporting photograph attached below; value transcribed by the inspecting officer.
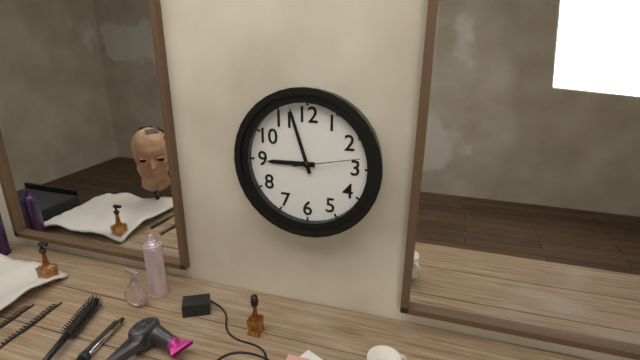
8:57:13
